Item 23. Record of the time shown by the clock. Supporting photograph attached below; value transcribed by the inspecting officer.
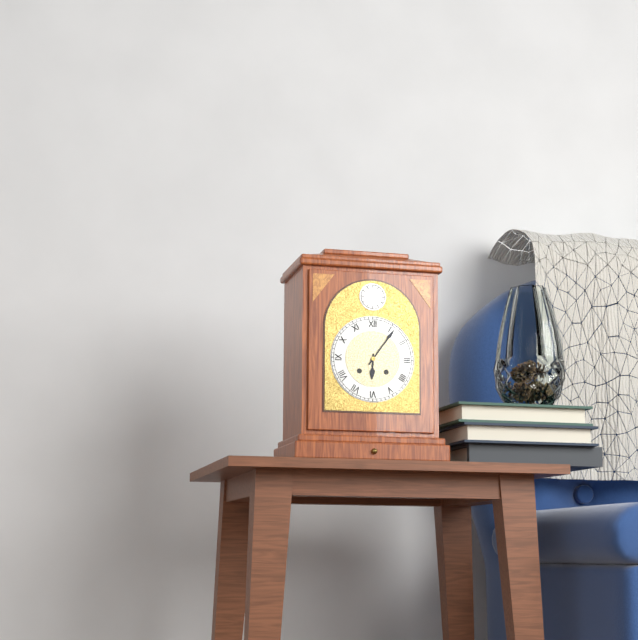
6:06
